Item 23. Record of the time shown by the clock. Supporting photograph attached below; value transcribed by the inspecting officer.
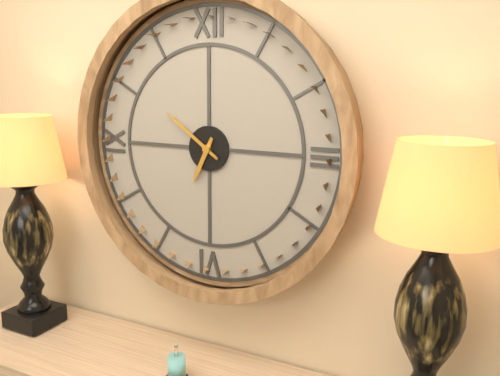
6:51
